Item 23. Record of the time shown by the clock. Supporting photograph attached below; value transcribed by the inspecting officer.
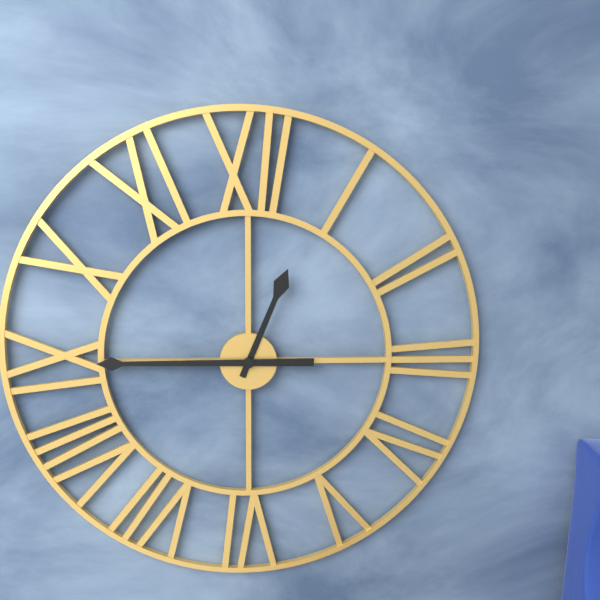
12:45
